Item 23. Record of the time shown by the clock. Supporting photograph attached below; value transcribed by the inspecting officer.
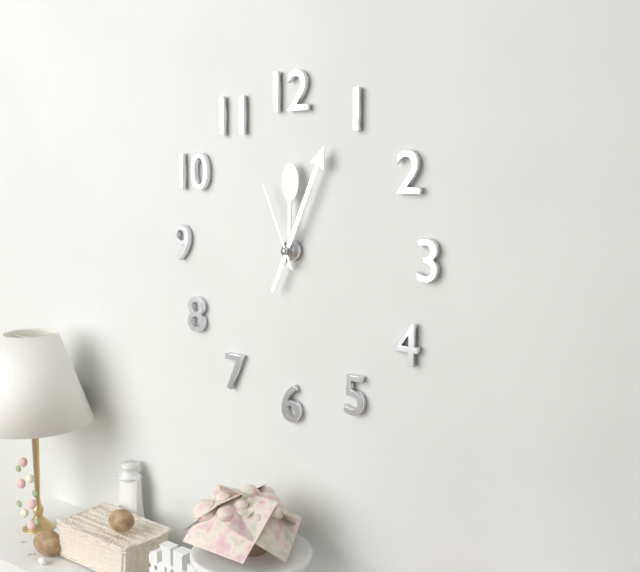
12:04:56
